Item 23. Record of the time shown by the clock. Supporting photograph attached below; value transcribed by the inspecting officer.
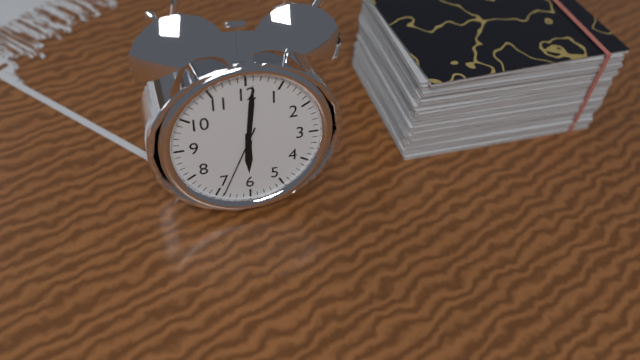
6:01:34
